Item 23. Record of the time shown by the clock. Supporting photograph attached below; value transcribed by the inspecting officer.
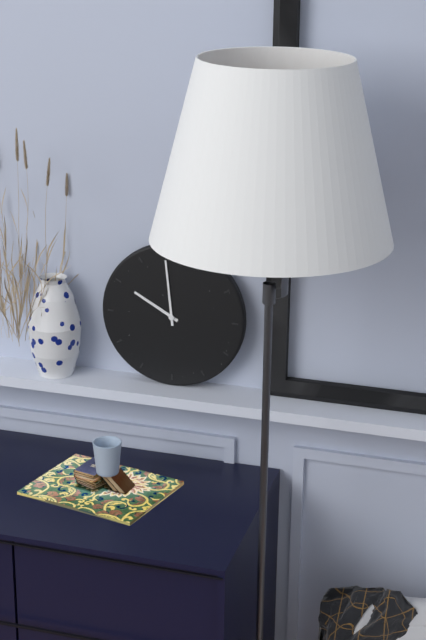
9:59
